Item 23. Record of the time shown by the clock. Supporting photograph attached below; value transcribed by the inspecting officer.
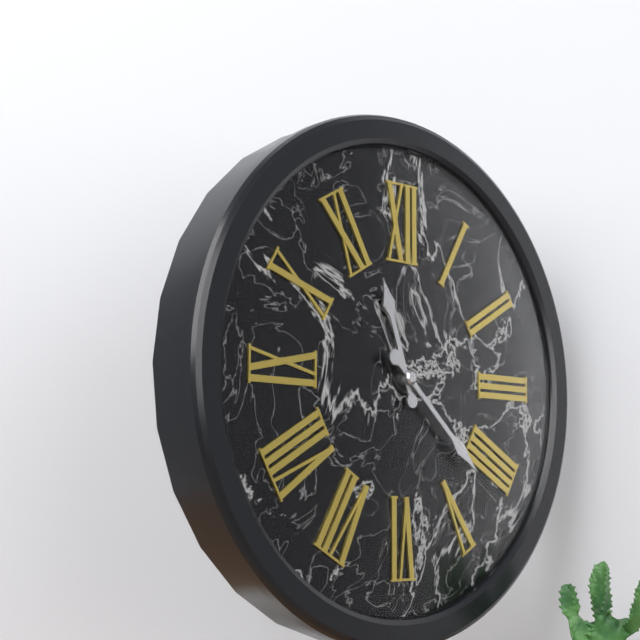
11:22
